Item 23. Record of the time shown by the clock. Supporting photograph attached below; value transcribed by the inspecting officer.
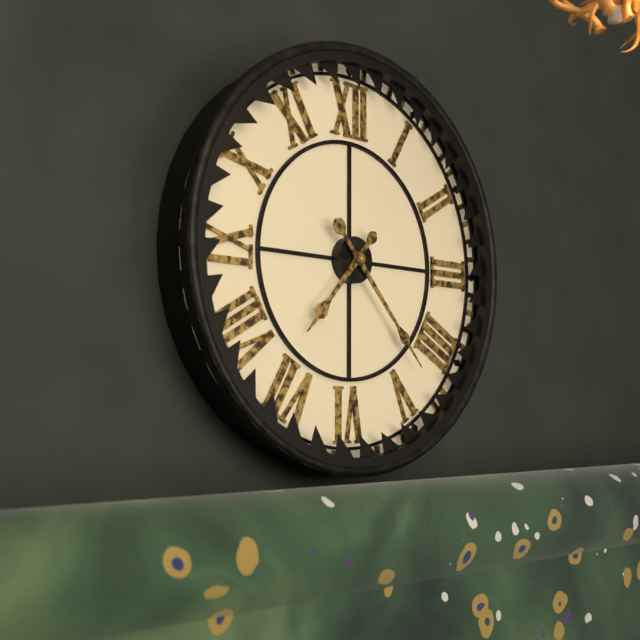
7:23
